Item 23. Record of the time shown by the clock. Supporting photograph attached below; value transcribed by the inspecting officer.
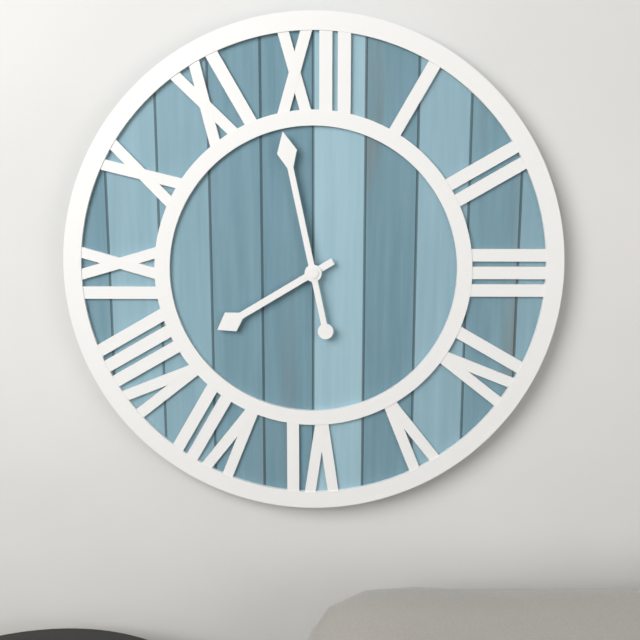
7:58
